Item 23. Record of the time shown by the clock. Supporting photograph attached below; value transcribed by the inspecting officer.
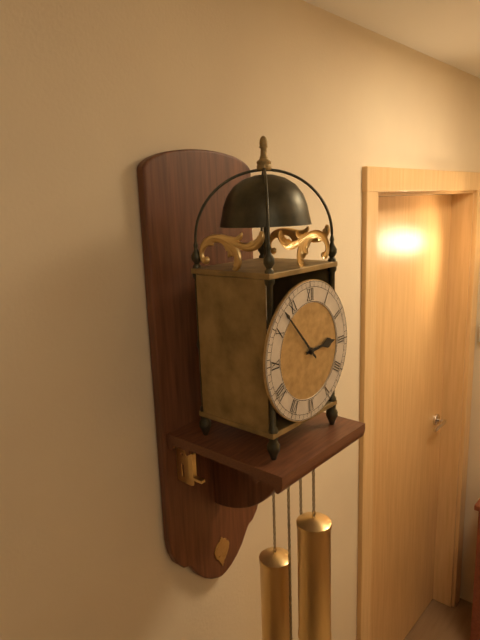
2:53
